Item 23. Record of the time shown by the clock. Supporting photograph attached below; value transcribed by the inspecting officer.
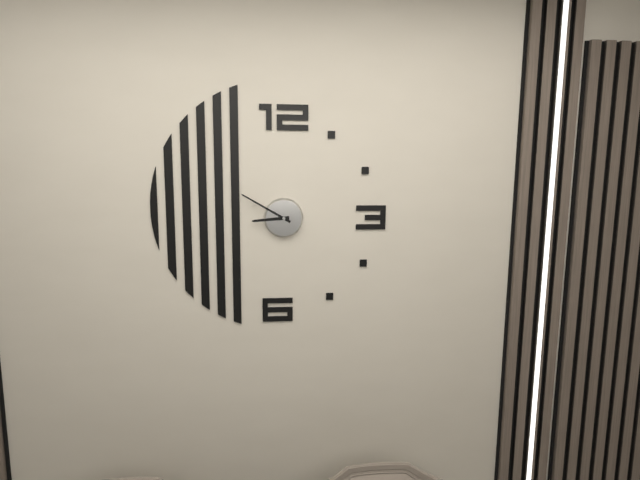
8:50
